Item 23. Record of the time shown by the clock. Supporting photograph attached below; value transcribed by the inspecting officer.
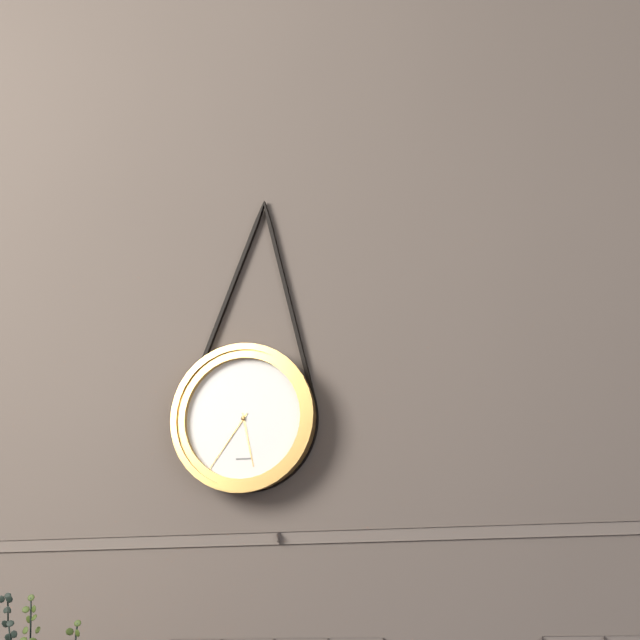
5:36
